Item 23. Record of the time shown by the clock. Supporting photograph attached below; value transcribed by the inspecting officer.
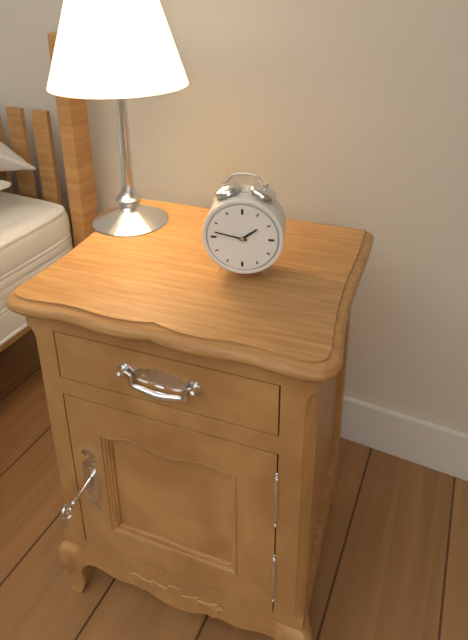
1:47
